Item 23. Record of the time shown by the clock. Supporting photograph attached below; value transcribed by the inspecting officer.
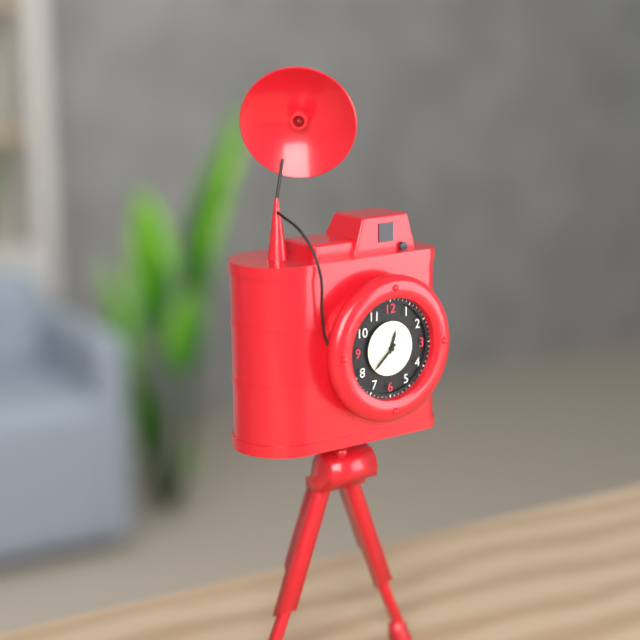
12:38
